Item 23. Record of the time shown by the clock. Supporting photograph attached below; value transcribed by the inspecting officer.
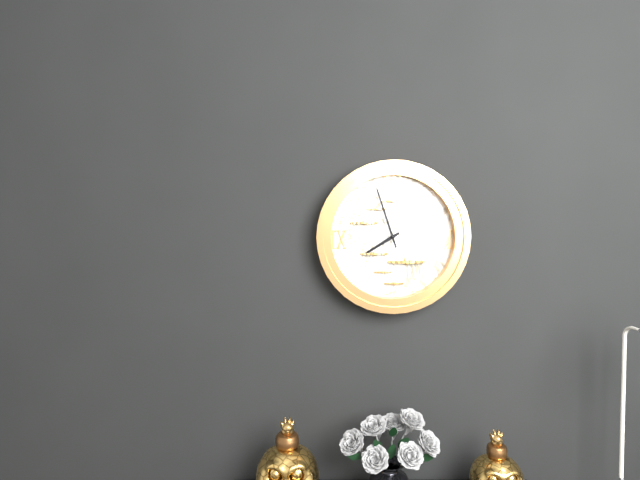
7:57
